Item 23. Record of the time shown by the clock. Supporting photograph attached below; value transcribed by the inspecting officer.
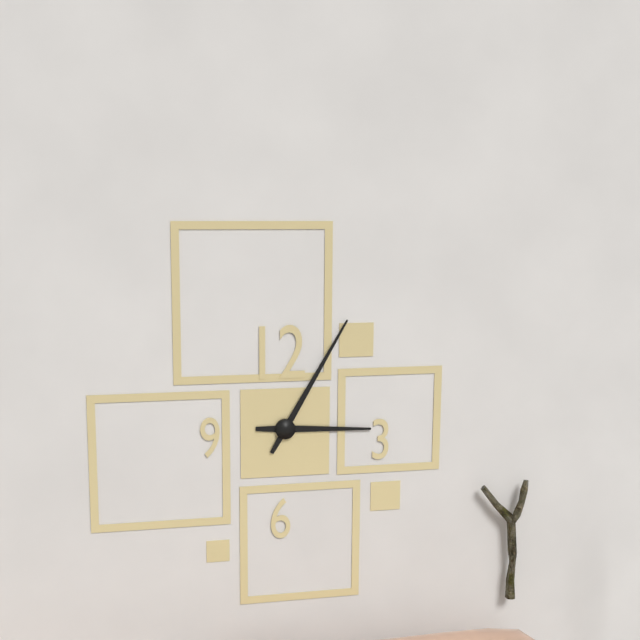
3:05
